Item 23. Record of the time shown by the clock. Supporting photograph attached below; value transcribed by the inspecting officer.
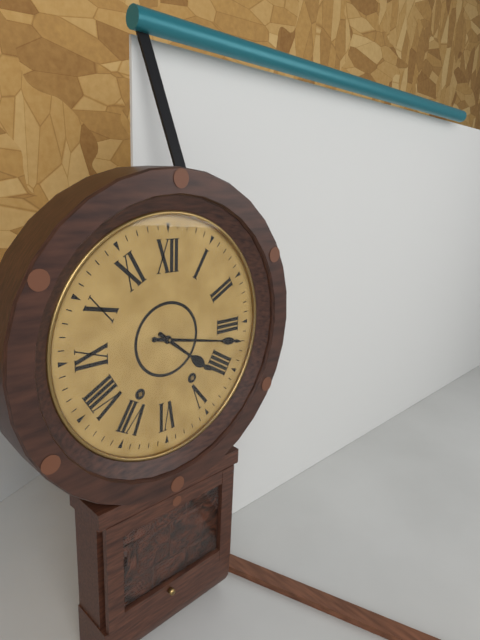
4:17
